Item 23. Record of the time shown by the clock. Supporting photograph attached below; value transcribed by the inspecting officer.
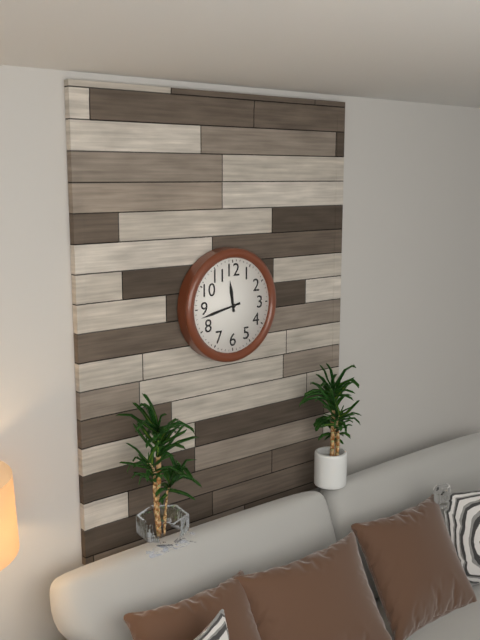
11:43
